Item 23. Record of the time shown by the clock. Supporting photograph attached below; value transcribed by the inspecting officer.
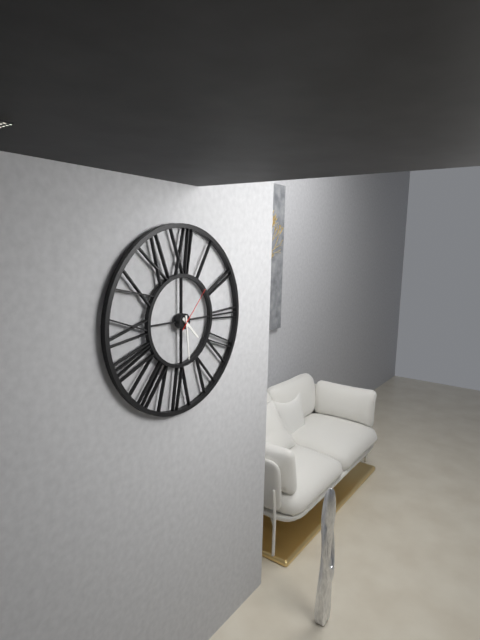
4:29:07
